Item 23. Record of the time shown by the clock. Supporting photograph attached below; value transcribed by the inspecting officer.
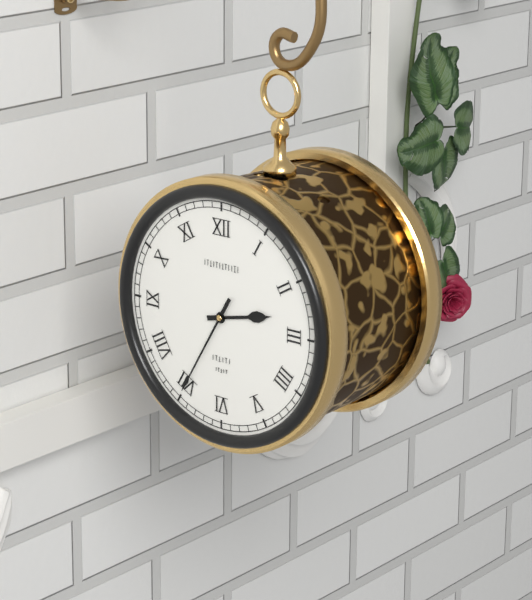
2:35
